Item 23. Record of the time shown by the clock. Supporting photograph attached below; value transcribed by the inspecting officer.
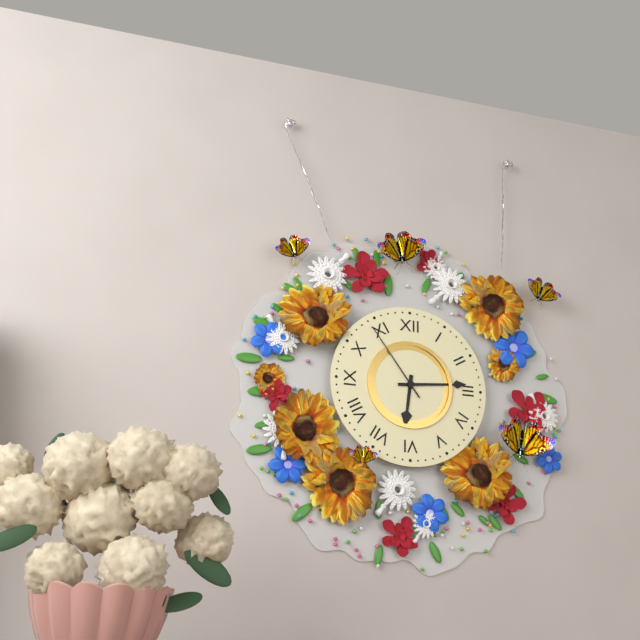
6:14:54
